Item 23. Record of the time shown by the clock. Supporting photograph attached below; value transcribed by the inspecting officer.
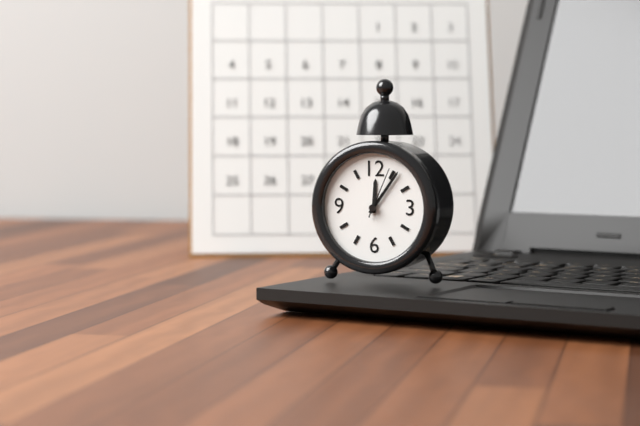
12:06:04
